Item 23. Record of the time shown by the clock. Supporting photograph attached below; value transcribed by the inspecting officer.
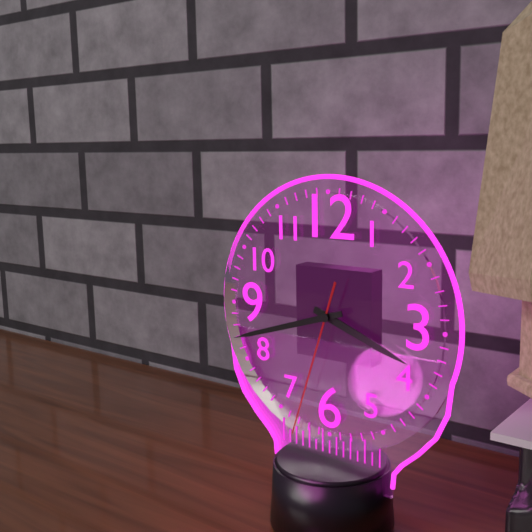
3:42:33
